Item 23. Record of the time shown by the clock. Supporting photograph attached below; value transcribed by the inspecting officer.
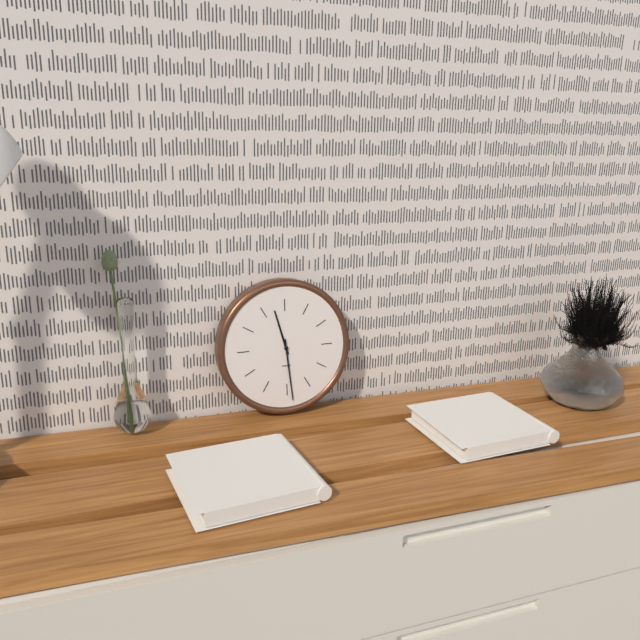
11:29
